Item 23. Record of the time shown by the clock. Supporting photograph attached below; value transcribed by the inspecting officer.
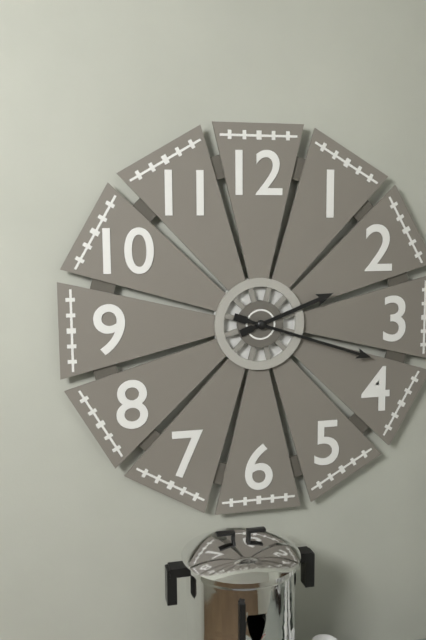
2:18
